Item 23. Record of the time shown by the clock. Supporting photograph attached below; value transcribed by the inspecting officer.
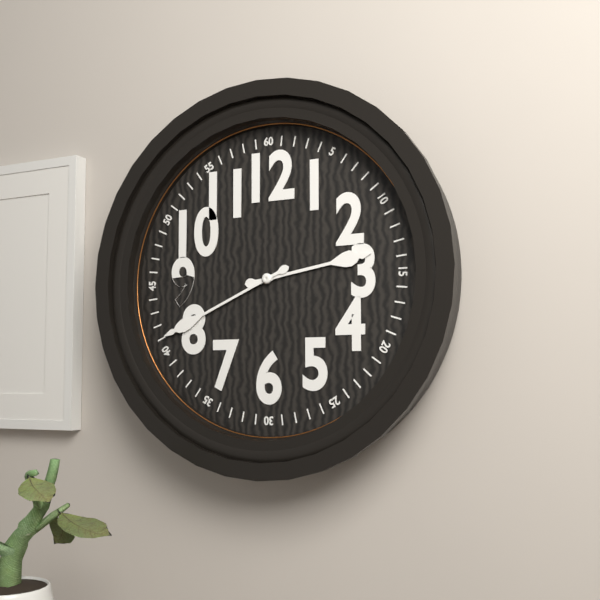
2:41
